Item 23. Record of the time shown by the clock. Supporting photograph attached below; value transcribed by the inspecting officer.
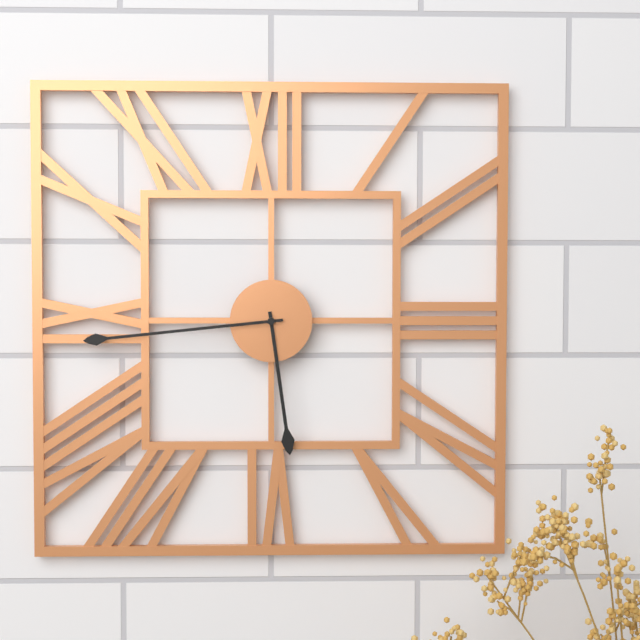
5:44
